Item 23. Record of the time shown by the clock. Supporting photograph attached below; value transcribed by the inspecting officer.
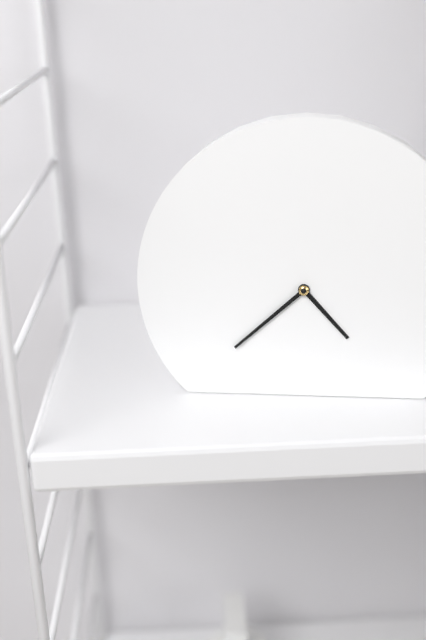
4:38
